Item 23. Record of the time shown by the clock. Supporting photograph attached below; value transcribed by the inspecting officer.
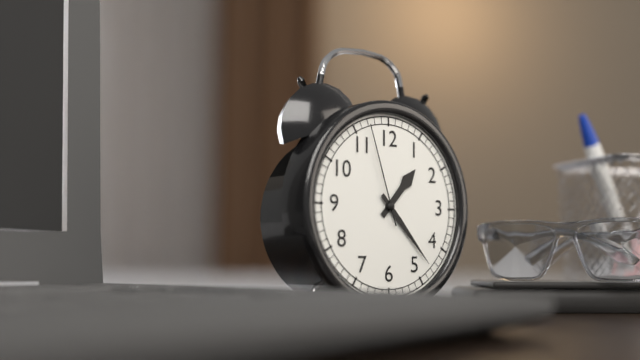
1:23:57
